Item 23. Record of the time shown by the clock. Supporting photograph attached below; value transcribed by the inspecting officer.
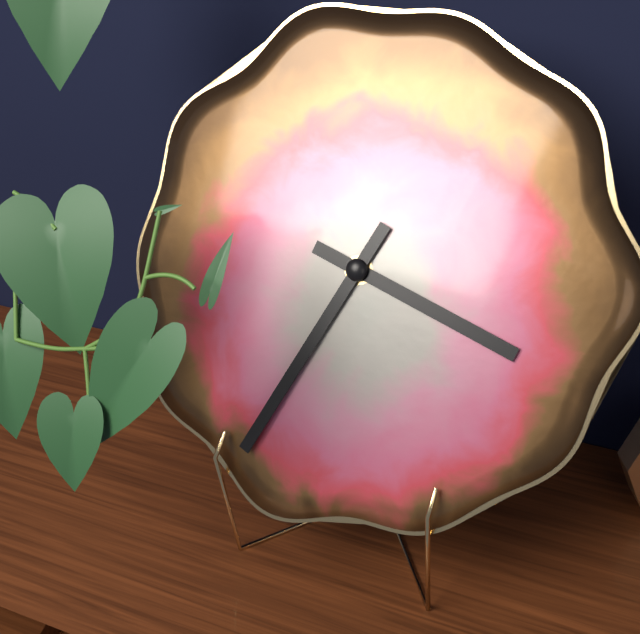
3:34
